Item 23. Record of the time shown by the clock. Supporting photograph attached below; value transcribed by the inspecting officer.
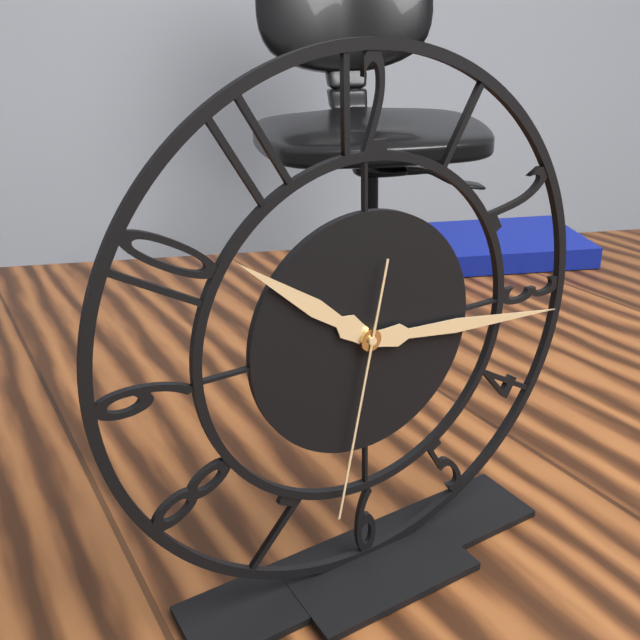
10:16:32
